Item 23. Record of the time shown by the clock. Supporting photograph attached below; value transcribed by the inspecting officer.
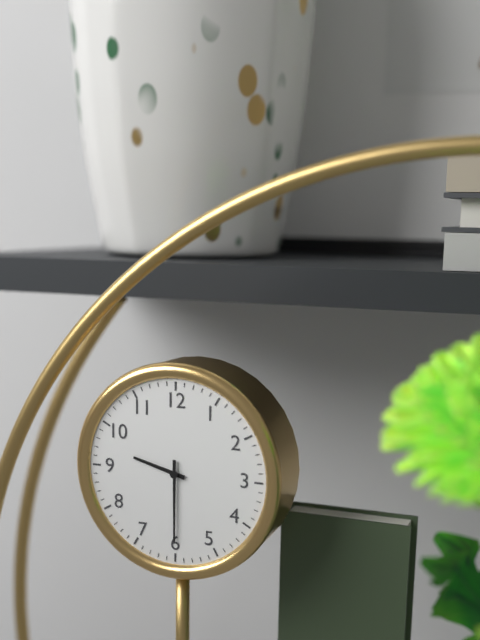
9:30
